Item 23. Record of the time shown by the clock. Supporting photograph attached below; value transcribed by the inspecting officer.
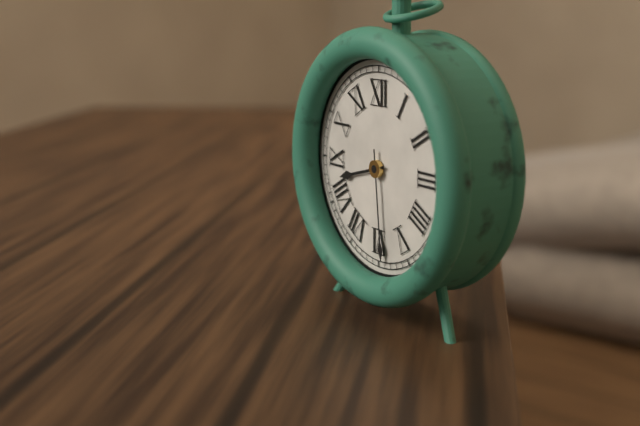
8:29
